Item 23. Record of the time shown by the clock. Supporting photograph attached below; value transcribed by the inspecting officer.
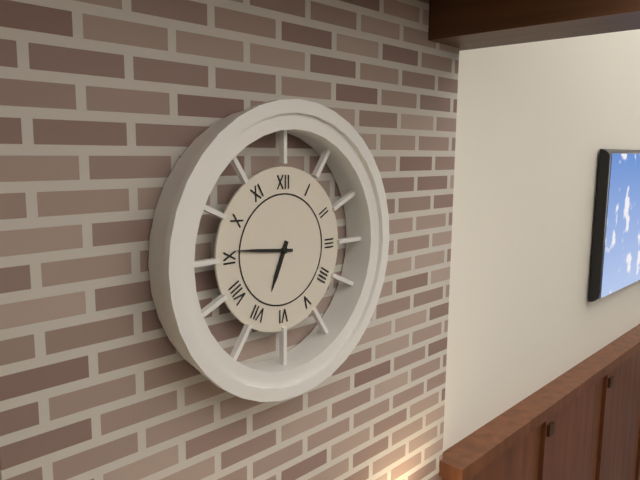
6:46
